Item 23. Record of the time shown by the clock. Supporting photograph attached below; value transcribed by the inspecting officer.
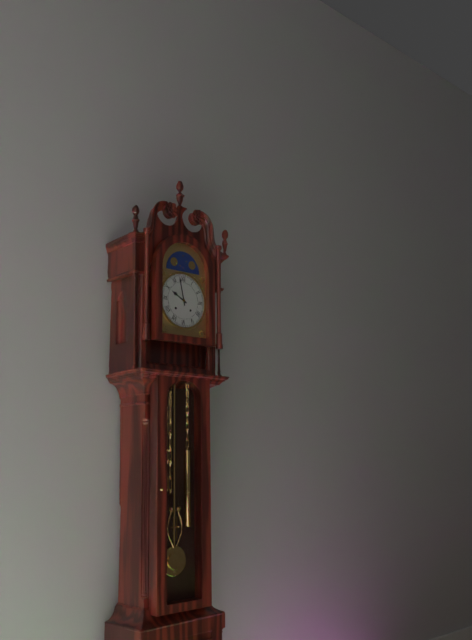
9:58
